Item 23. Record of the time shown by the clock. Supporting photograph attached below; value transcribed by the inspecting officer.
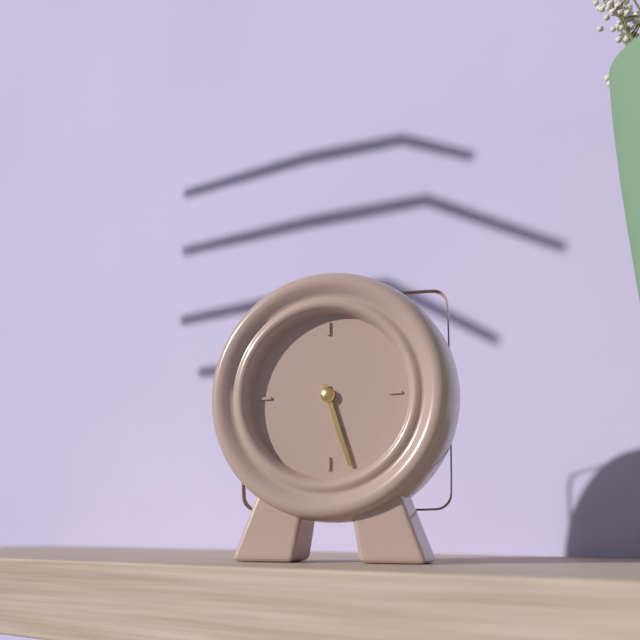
5:27
